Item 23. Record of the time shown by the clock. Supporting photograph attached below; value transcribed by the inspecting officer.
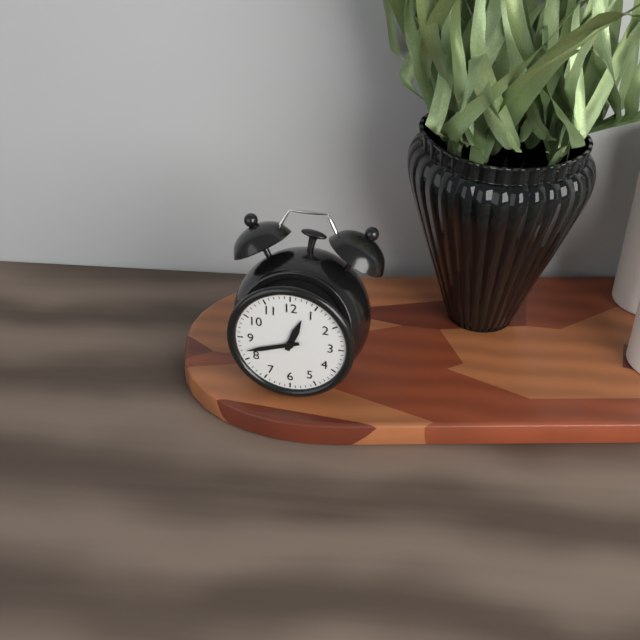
12:42
